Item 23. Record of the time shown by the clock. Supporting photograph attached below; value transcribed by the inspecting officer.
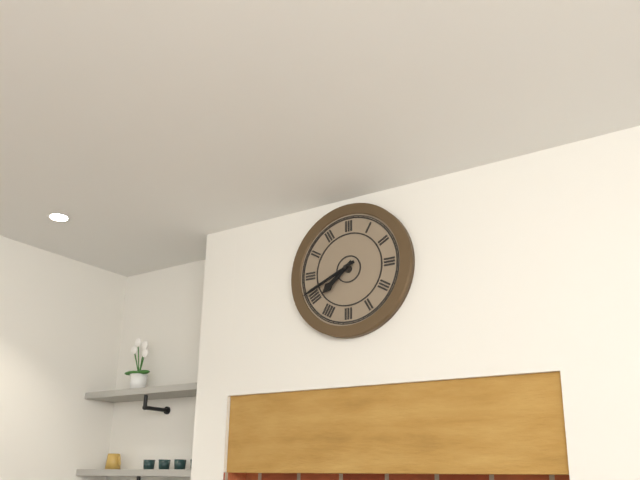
7:41
